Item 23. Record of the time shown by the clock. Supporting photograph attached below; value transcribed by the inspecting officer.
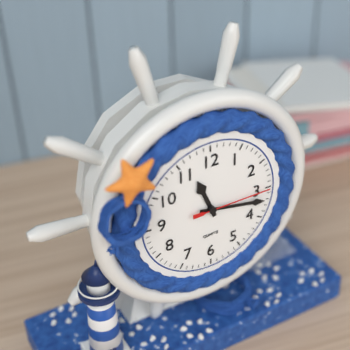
11:17:15
